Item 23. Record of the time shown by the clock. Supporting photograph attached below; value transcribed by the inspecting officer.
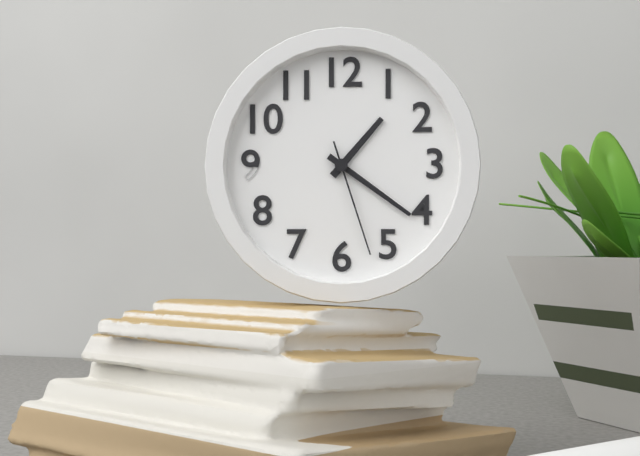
1:21:27
